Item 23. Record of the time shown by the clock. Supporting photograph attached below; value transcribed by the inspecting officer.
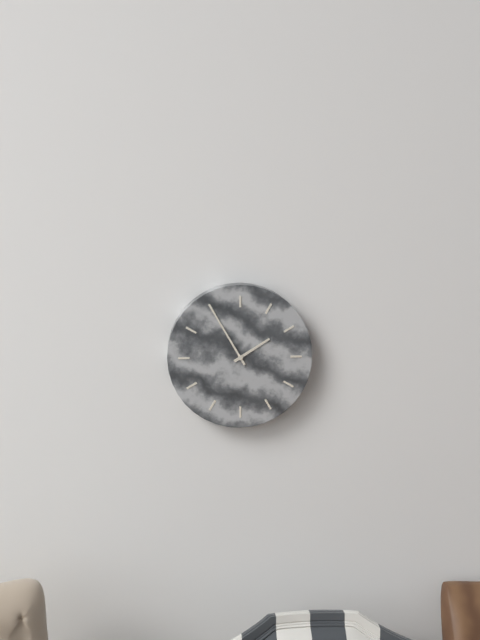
1:55
